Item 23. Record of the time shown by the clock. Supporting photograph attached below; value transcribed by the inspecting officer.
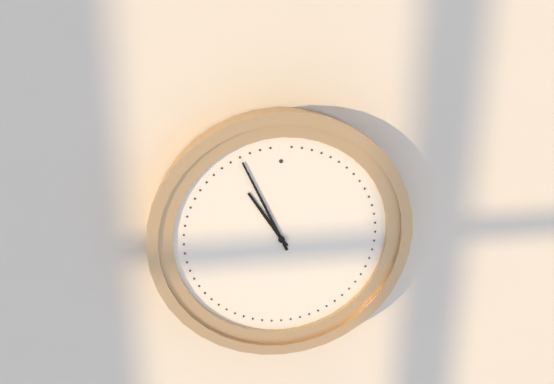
10:56
